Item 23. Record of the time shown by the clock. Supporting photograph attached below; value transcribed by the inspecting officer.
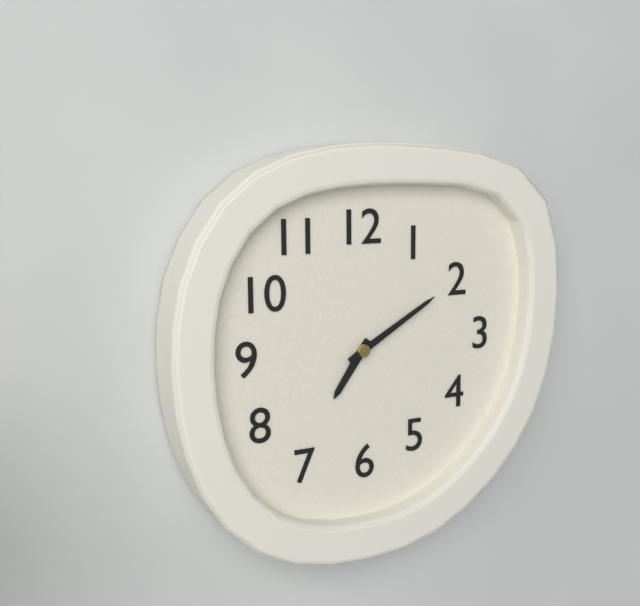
7:10
